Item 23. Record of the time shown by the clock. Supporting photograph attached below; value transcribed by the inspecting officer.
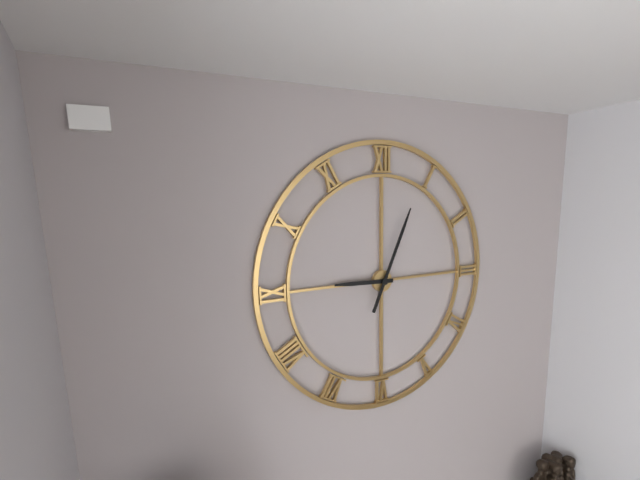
9:04
